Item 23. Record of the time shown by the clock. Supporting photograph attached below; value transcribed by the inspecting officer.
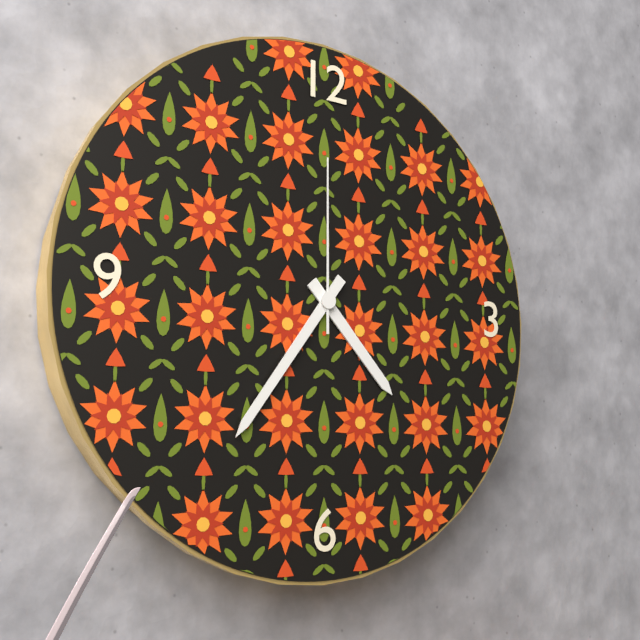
4:36:00
